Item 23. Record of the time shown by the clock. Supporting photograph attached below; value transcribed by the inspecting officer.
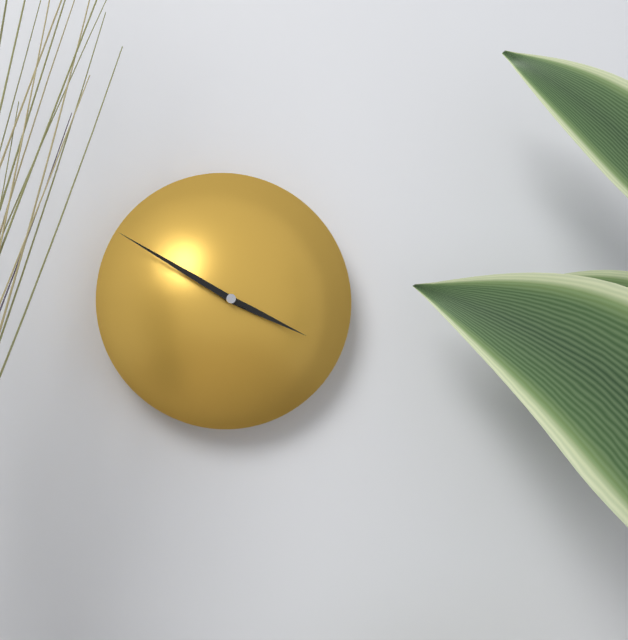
3:50
